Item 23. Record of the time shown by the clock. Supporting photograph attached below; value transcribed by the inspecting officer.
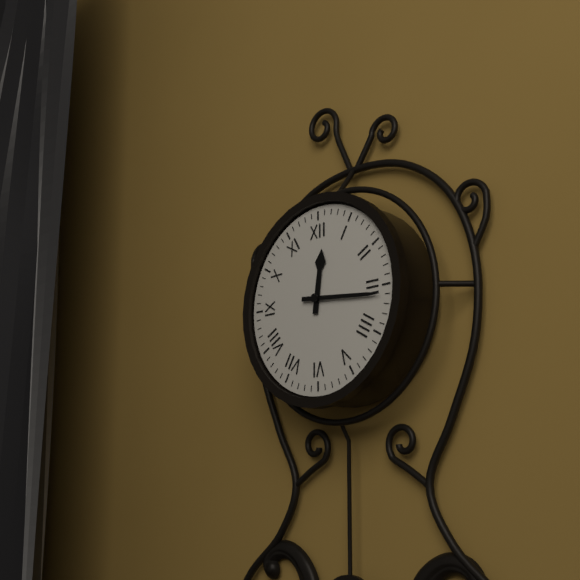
12:16
